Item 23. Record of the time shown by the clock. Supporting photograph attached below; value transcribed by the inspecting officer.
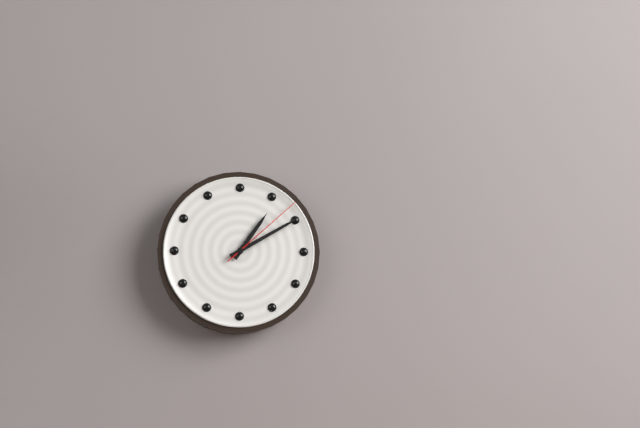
1:10:08
